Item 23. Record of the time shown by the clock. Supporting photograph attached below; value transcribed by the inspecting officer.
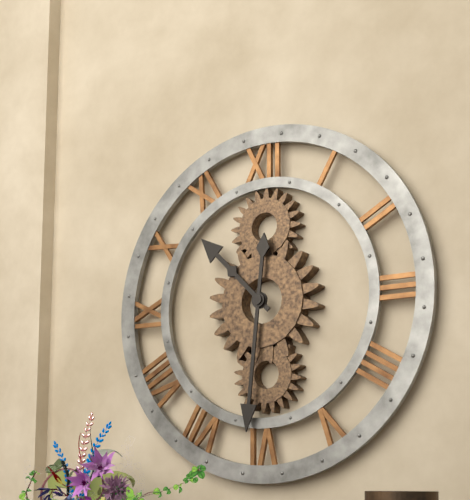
10:31
